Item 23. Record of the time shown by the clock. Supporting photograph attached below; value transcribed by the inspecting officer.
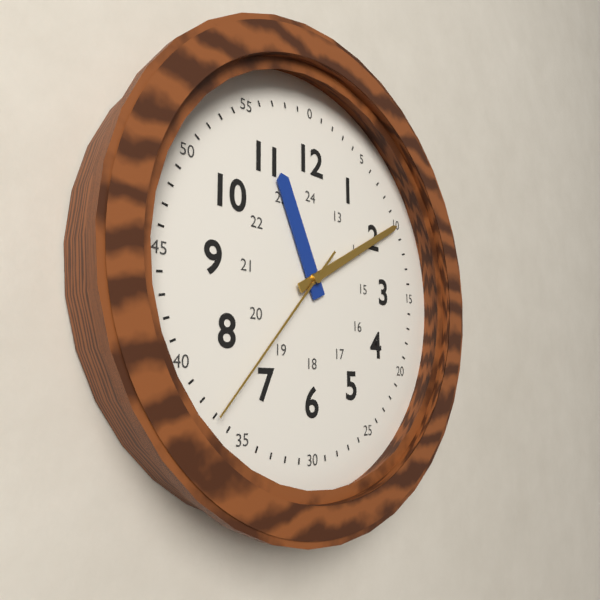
11:10:37
